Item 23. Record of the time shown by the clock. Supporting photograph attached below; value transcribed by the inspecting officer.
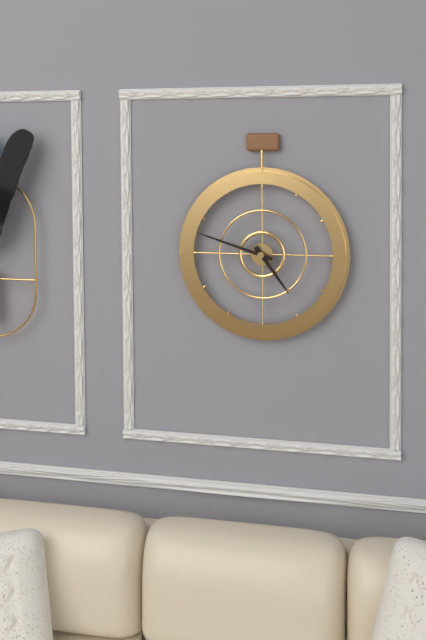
4:48
